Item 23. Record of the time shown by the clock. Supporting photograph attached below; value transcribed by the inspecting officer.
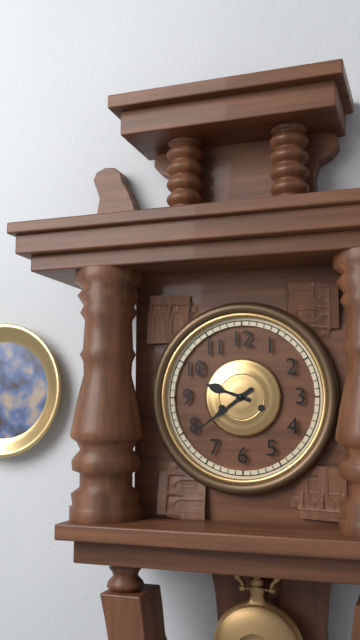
9:39
